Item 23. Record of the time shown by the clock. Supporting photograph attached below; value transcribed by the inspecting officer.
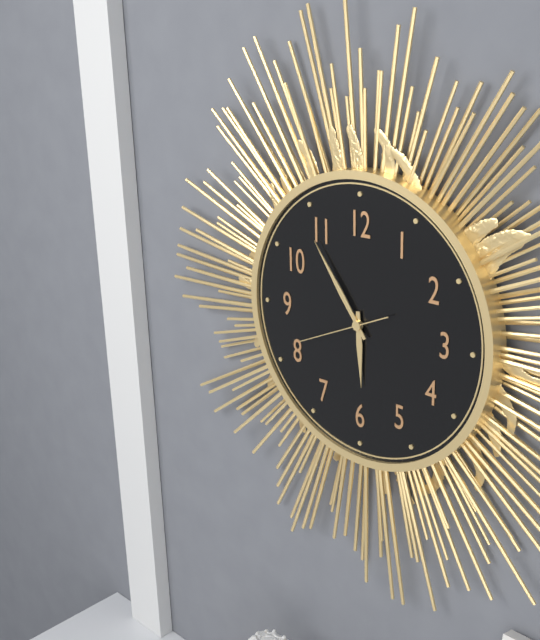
5:54:41
